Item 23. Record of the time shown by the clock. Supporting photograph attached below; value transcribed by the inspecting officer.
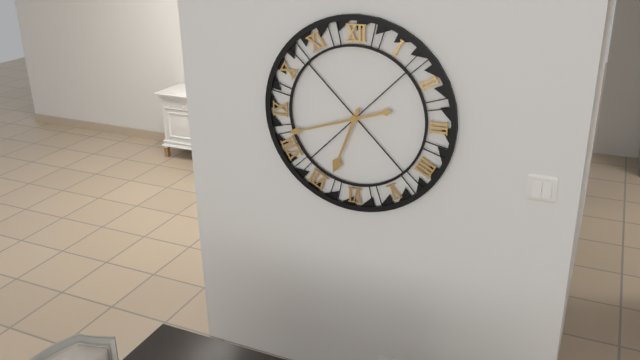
6:42
